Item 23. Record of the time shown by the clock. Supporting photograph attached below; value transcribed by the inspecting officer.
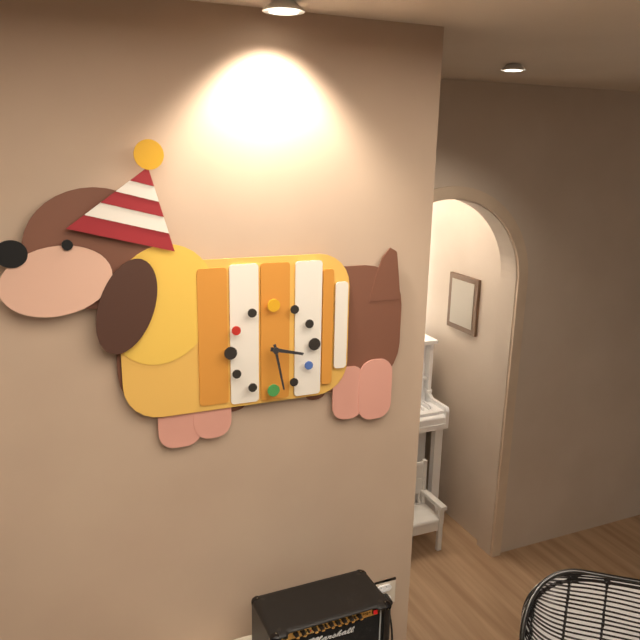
3:28
